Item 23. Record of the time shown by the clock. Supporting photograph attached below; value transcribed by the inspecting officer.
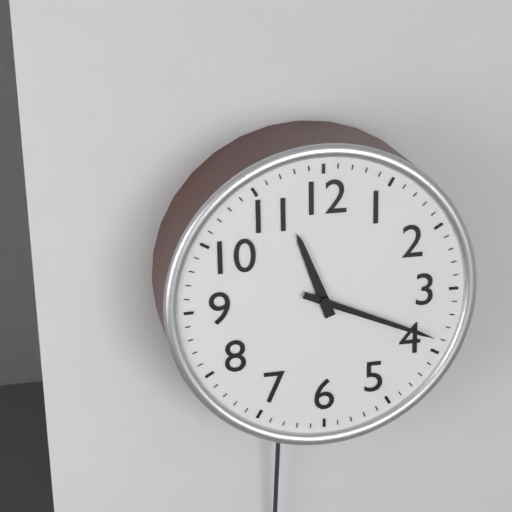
11:19
